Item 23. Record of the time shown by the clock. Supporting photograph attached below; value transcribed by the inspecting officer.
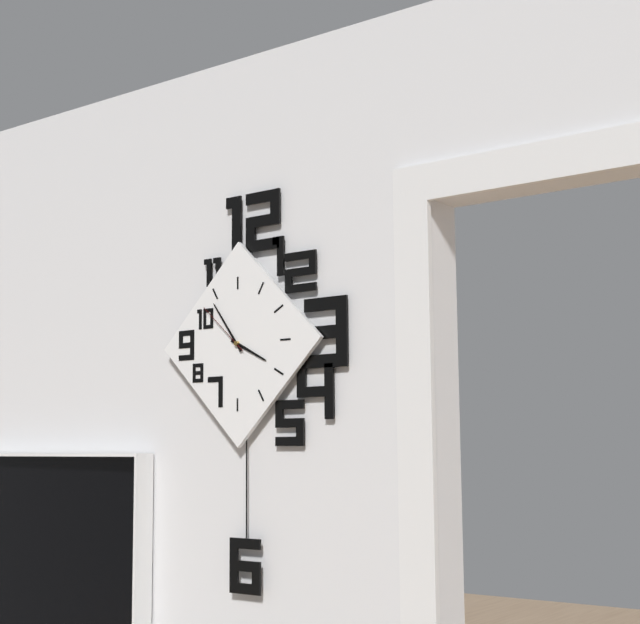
3:54:52
